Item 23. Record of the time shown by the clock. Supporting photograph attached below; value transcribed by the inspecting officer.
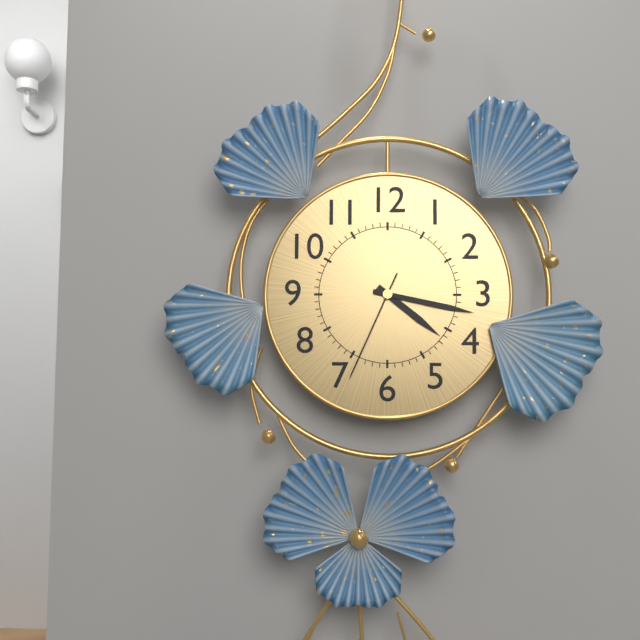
4:17:34
